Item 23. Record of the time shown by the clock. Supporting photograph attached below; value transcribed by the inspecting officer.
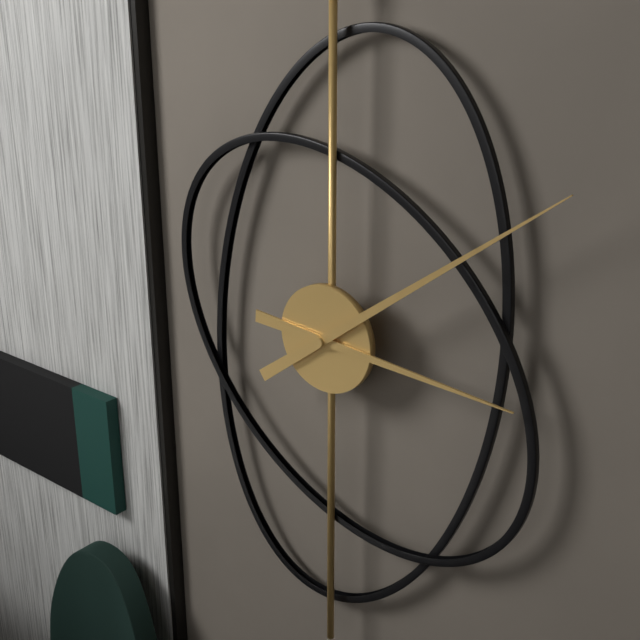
3:09
